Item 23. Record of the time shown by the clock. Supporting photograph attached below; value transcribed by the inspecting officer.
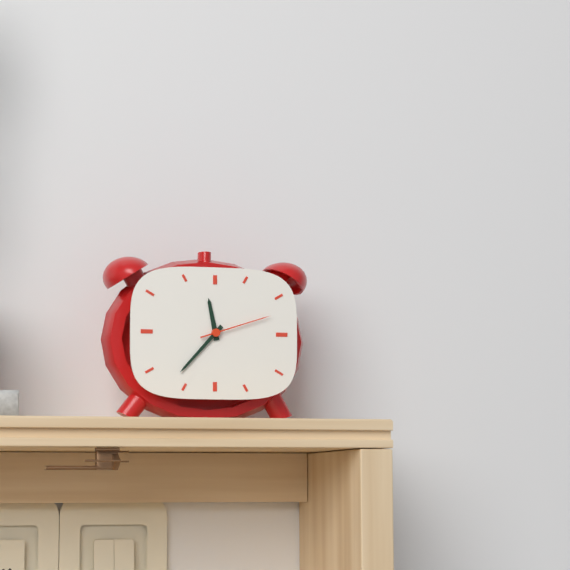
11:37:12
